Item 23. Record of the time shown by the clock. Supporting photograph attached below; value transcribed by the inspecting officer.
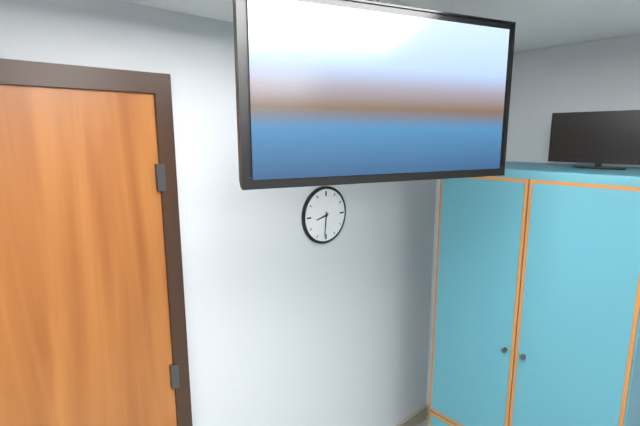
8:31
